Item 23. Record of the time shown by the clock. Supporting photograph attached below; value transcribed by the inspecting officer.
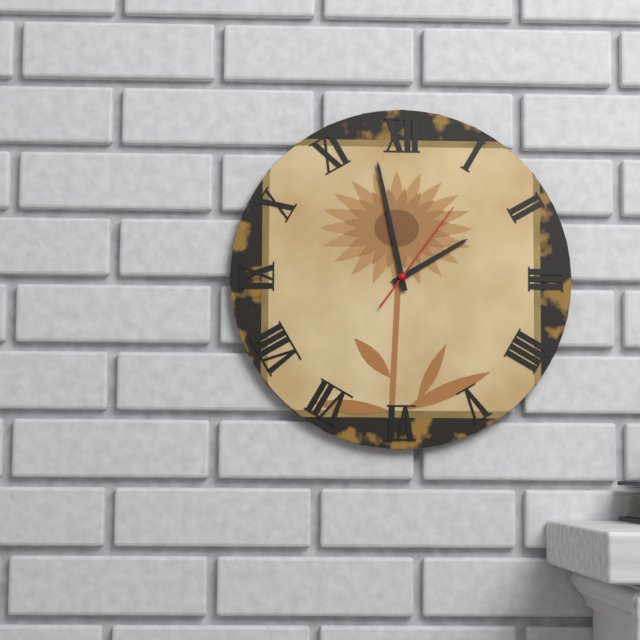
1:58:06
